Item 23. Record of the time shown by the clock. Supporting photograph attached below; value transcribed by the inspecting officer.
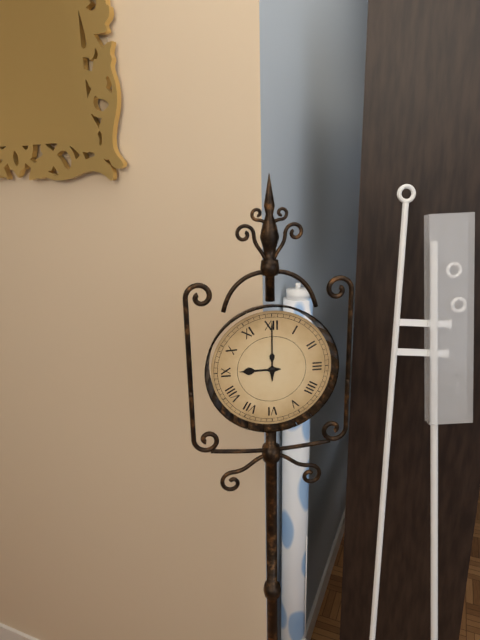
9:00
